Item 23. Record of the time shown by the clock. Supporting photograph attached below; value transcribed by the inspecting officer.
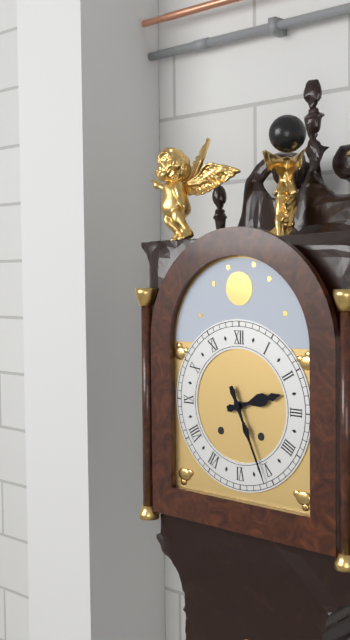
2:26
